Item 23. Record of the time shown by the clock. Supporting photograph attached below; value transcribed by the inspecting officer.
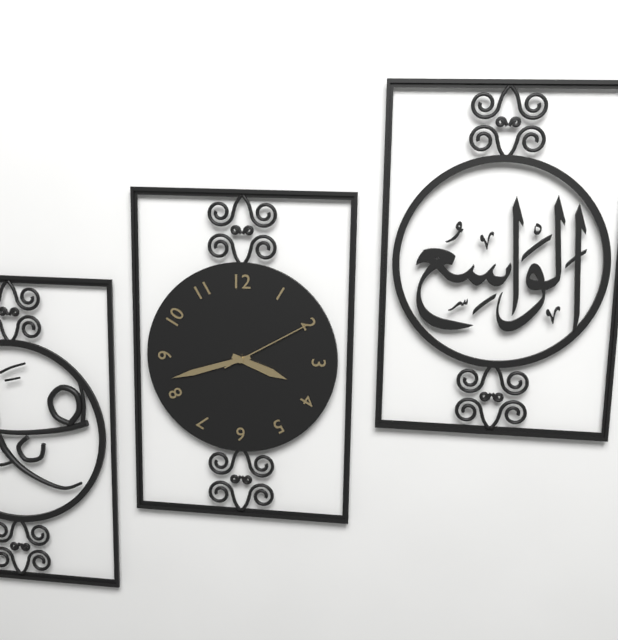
3:42:10
